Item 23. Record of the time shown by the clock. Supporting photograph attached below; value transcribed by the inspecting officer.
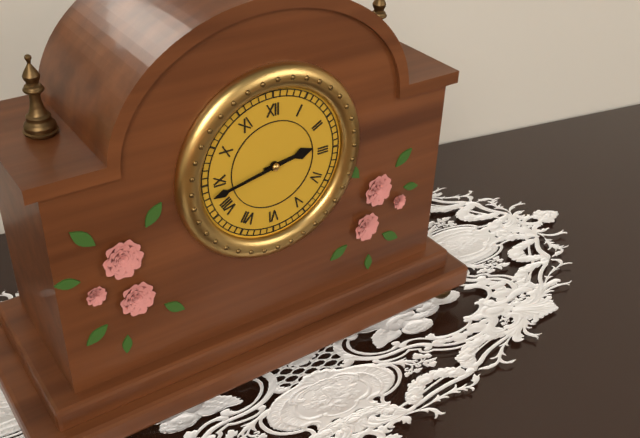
2:43
